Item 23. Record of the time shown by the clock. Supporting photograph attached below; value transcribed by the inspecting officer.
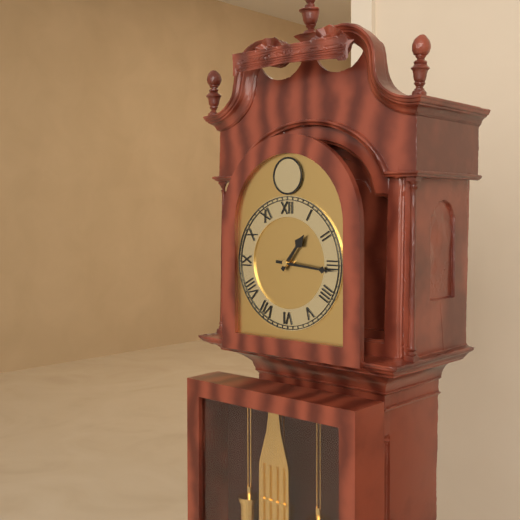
1:16
